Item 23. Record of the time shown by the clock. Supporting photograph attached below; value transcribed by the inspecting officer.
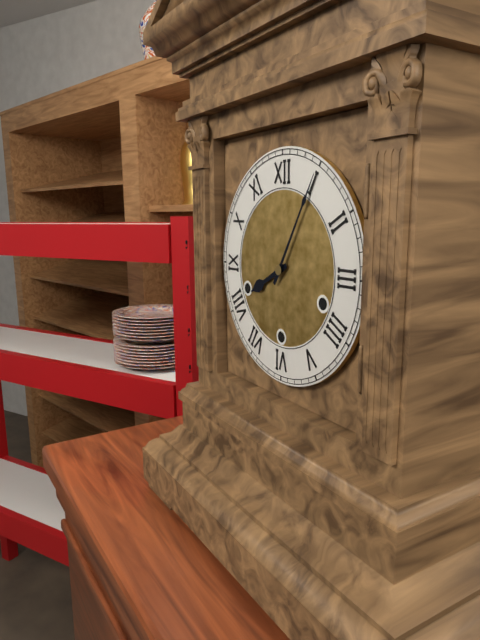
8:05
